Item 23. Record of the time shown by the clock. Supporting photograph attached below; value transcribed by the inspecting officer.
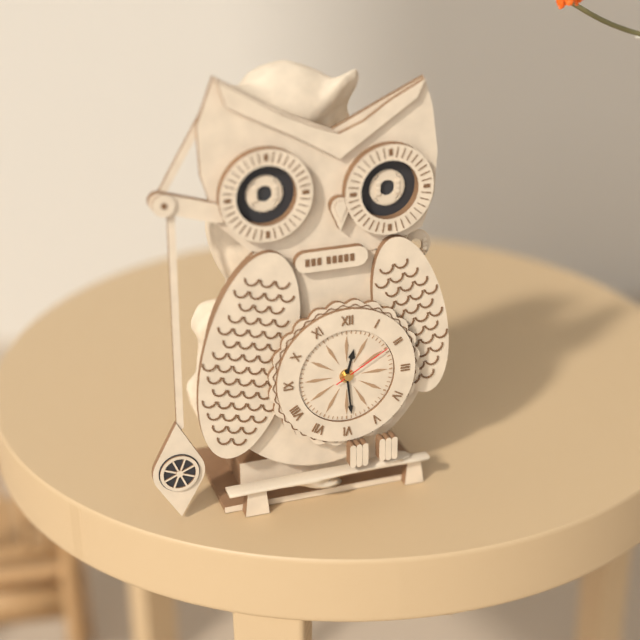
12:29:10
